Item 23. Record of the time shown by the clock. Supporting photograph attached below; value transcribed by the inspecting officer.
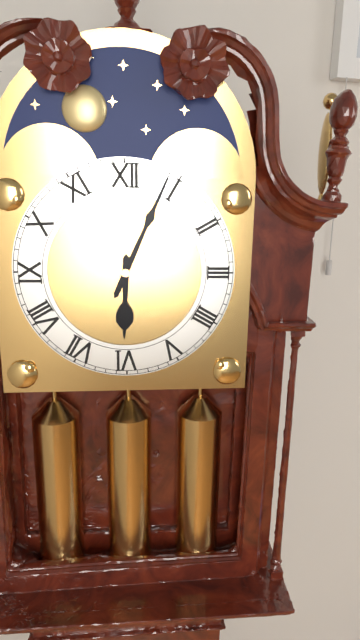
6:04
